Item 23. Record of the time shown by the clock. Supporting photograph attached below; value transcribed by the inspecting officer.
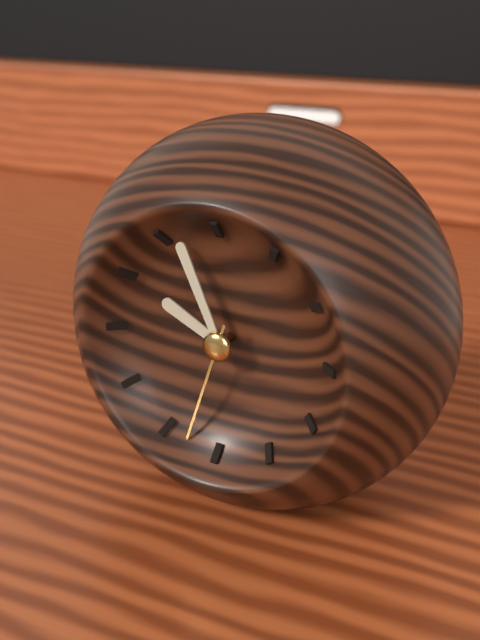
9:56:33
